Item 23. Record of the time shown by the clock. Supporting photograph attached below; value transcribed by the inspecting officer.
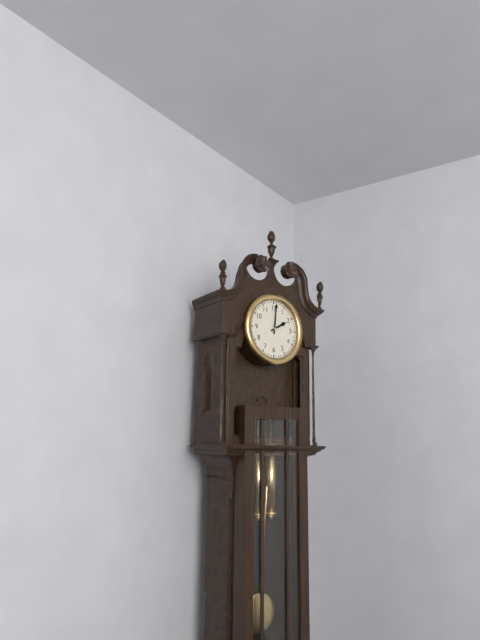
2:01
